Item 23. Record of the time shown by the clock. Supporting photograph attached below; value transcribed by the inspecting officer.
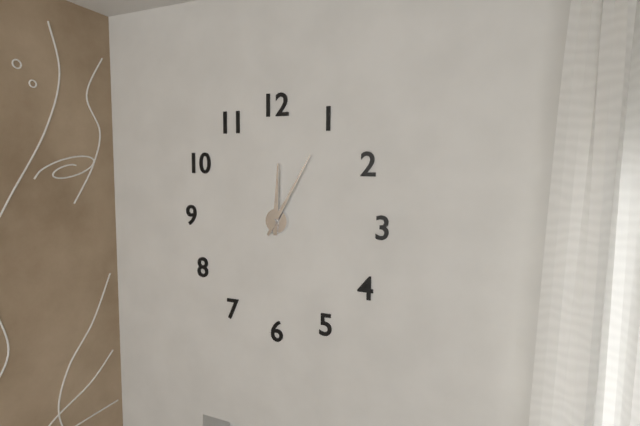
12:05
